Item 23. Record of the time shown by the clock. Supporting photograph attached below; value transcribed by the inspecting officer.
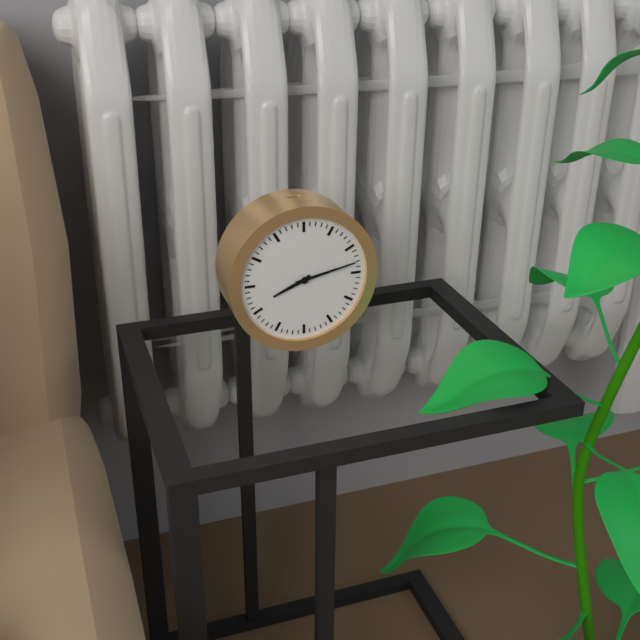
8:13
